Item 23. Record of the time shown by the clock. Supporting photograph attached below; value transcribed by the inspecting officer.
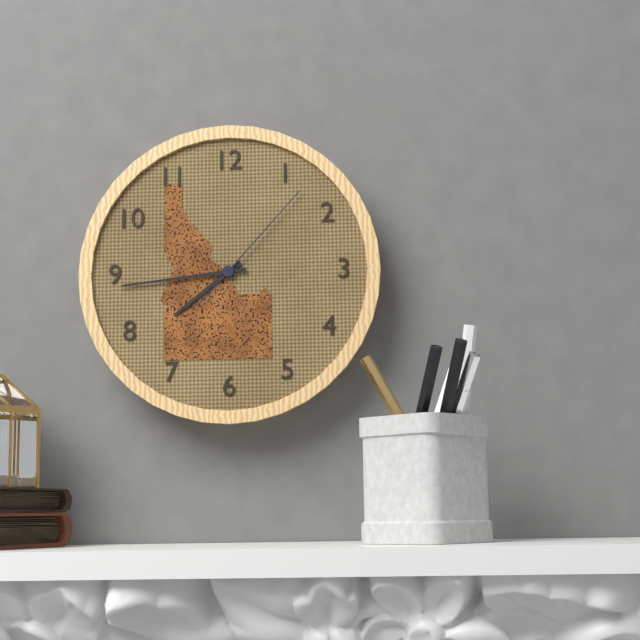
7:44:07
